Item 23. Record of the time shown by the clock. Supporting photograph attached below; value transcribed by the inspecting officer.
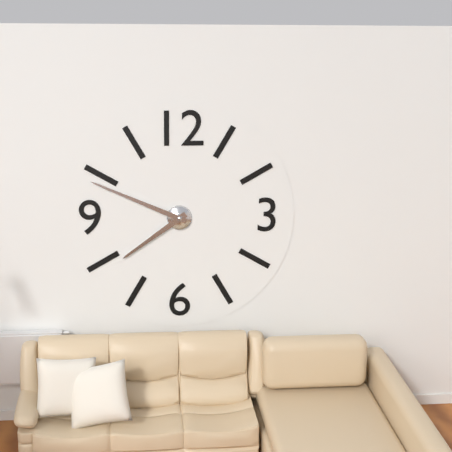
7:49
